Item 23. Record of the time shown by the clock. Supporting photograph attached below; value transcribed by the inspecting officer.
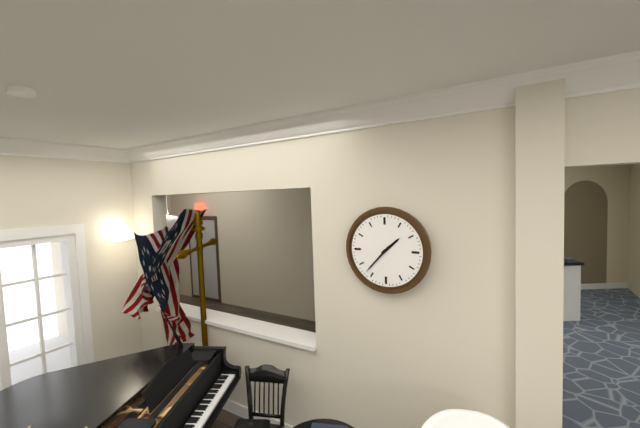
1:37
